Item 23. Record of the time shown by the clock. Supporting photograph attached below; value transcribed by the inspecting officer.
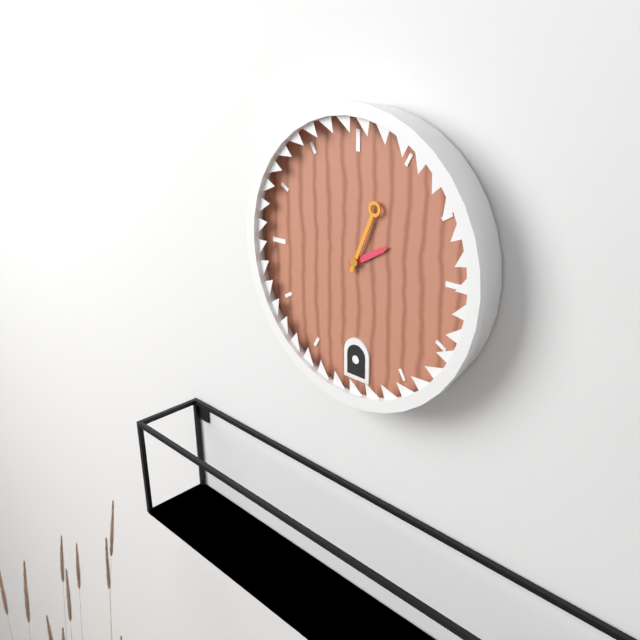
2:04
